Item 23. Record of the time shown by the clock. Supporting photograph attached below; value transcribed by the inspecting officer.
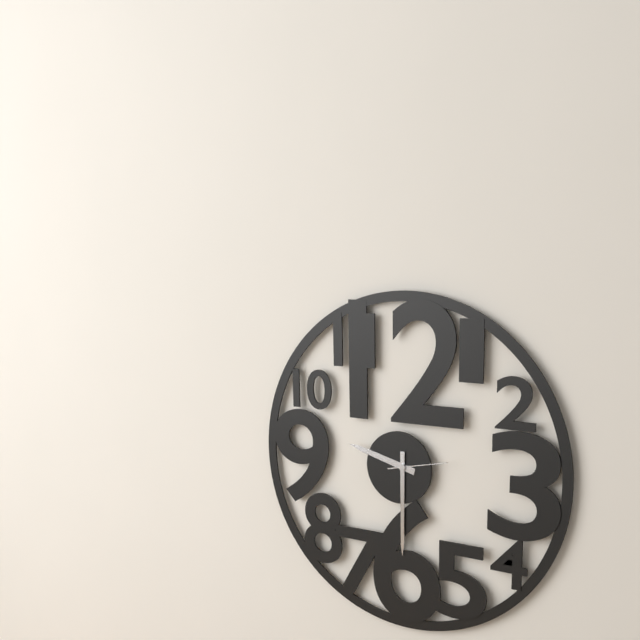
9:30:13
